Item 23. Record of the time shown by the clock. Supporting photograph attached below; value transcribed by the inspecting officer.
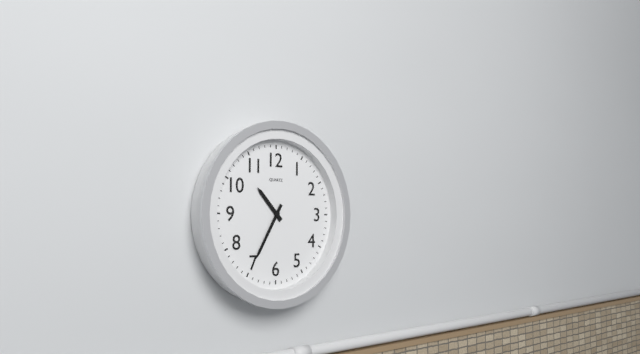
10:35
